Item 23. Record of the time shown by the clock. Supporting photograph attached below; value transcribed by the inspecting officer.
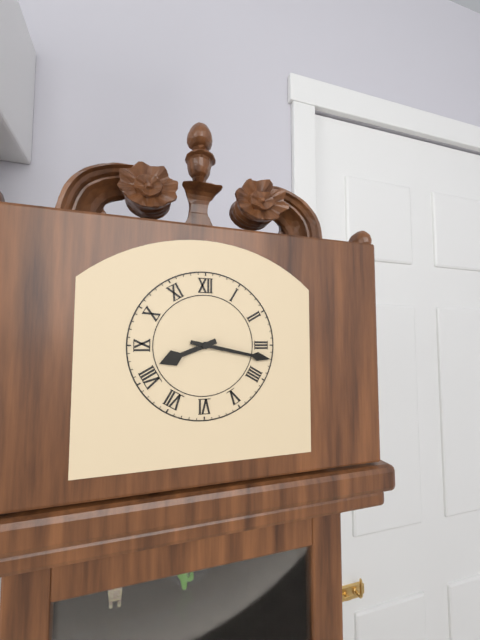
8:17
